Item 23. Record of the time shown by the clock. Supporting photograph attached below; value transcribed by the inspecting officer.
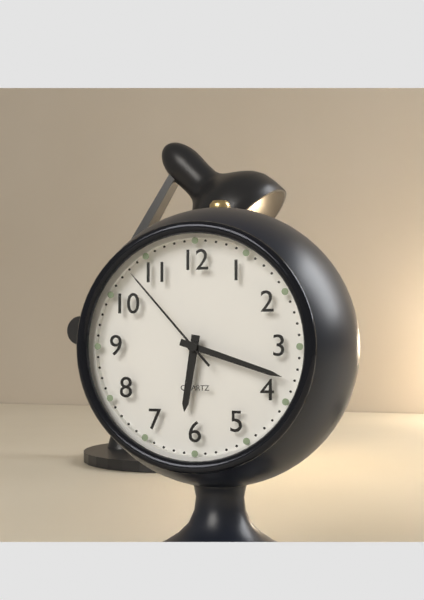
6:18:53
